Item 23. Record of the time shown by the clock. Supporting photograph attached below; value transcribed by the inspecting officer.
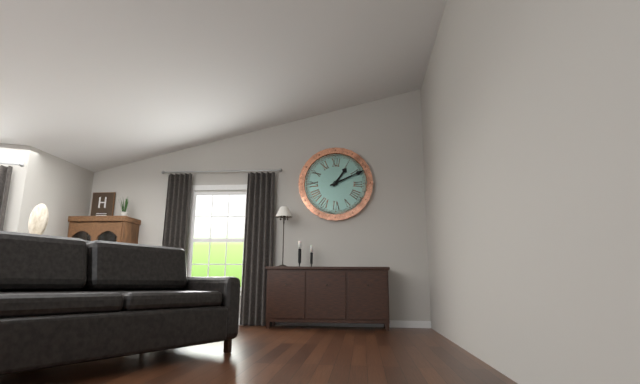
1:11
